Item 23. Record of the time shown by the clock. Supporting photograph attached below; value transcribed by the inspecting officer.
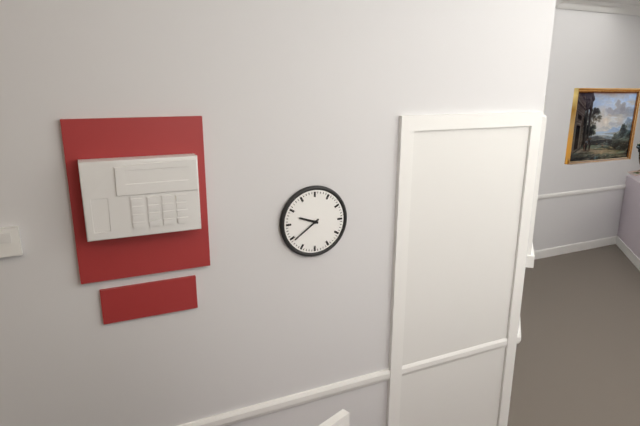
9:39
